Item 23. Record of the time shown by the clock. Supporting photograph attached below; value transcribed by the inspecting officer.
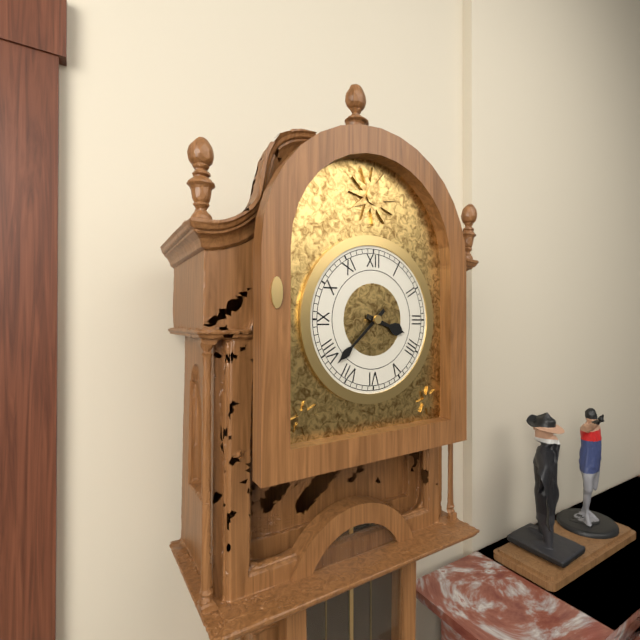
3:38
